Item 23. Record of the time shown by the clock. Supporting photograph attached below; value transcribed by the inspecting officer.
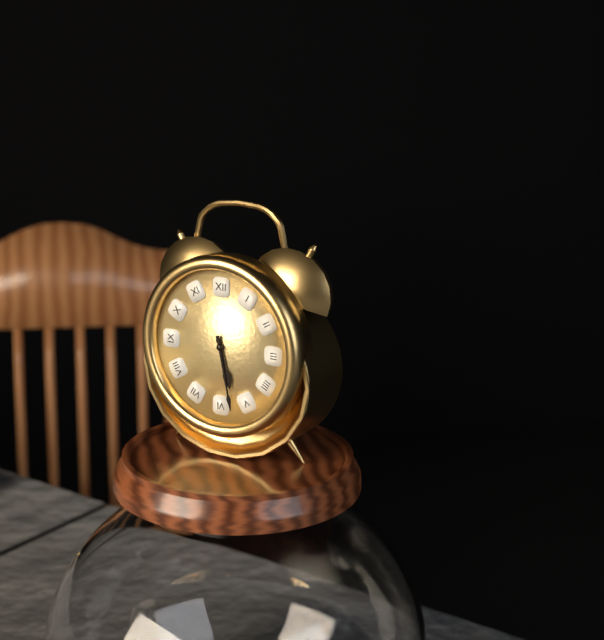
5:28
